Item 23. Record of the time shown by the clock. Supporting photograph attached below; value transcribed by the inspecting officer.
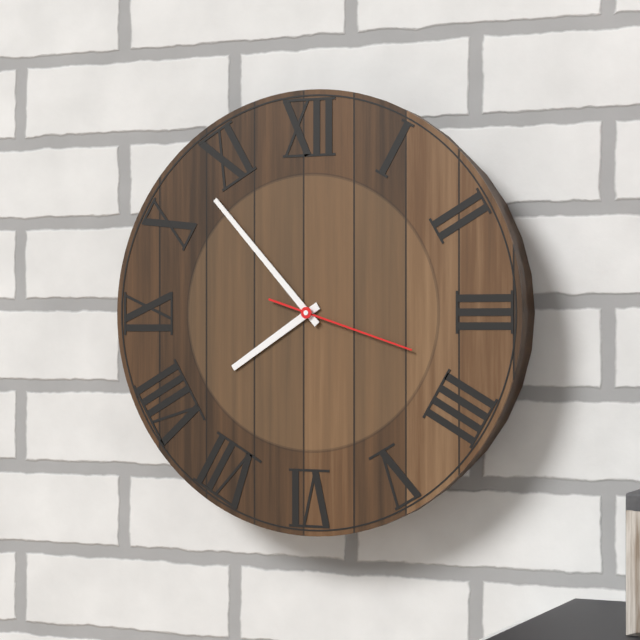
7:53:18
